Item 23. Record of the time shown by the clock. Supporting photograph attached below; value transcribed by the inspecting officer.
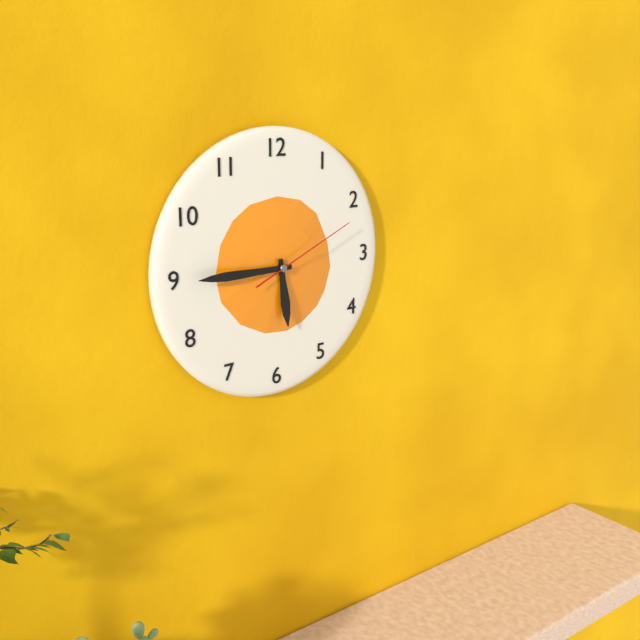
5:45:11
